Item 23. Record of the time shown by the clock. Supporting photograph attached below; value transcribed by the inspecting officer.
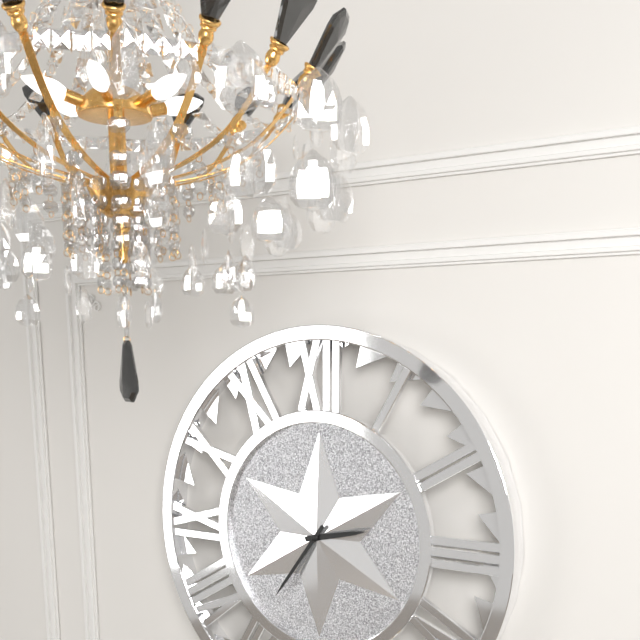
2:36
